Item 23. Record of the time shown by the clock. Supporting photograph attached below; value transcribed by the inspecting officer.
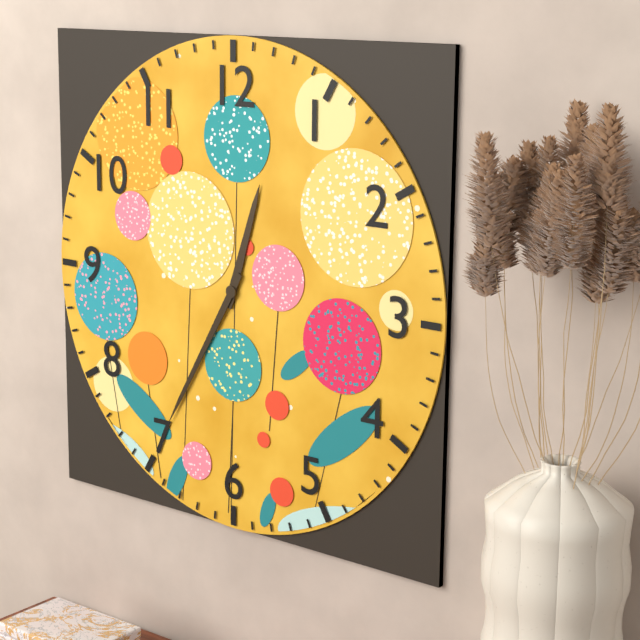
12:35
